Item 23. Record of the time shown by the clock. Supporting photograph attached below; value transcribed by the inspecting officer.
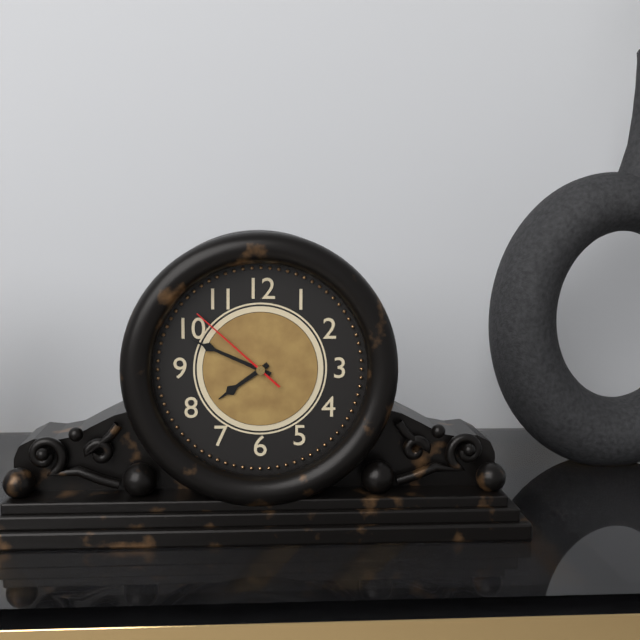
7:49:52
